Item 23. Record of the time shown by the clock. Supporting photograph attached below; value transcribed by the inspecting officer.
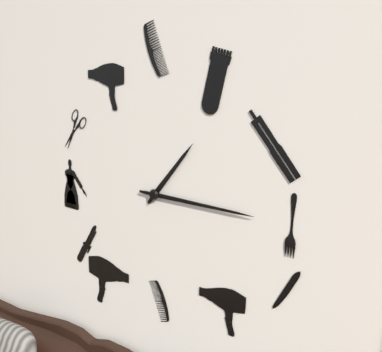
1:15
